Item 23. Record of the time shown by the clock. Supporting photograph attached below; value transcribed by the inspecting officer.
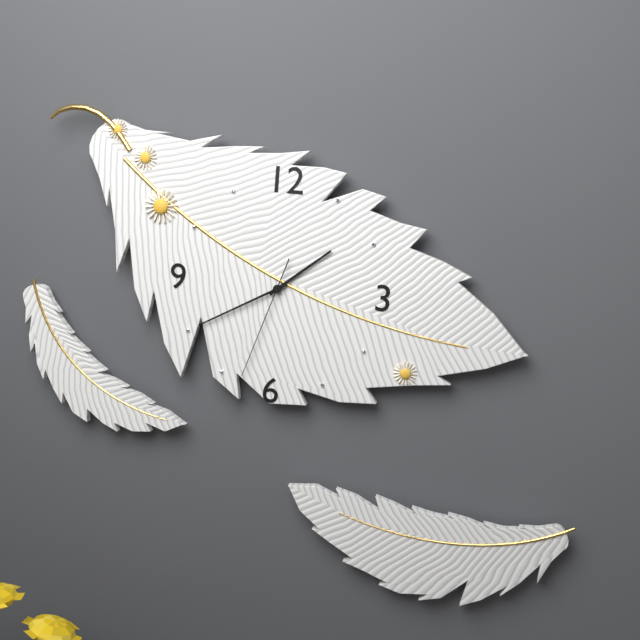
1:40:33
